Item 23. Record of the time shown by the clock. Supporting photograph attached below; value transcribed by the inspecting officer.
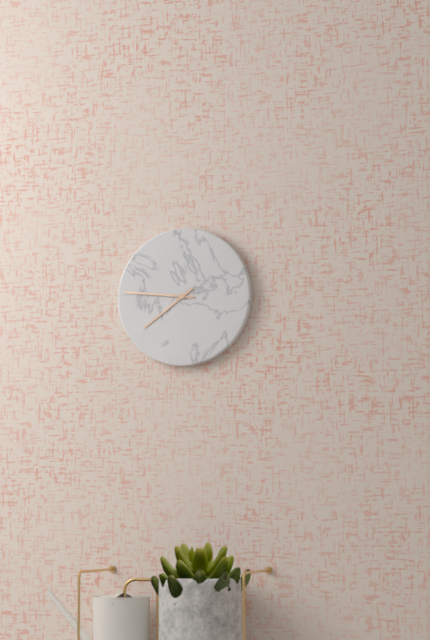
7:46
